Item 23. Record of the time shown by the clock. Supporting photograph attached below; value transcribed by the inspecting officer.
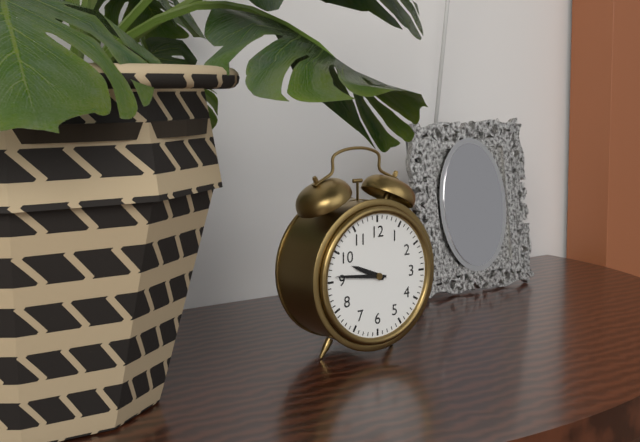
9:46
